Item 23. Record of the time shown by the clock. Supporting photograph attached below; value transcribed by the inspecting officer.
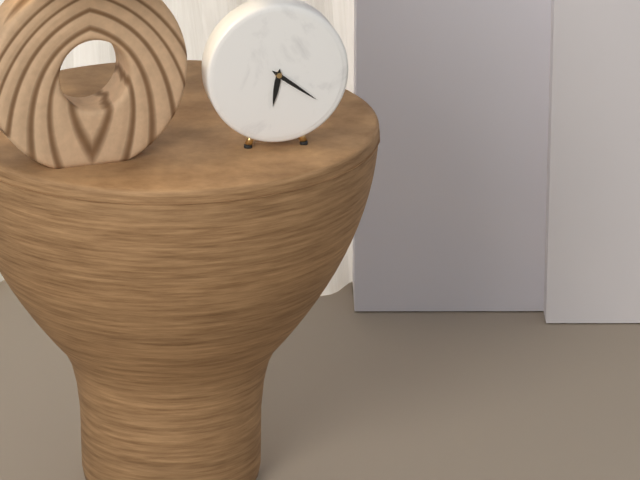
6:21
